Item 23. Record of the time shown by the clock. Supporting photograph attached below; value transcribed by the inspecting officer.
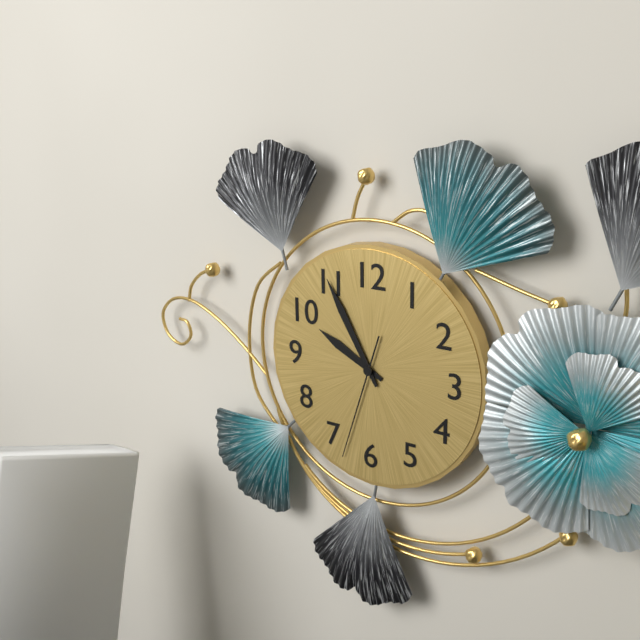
9:55:33
